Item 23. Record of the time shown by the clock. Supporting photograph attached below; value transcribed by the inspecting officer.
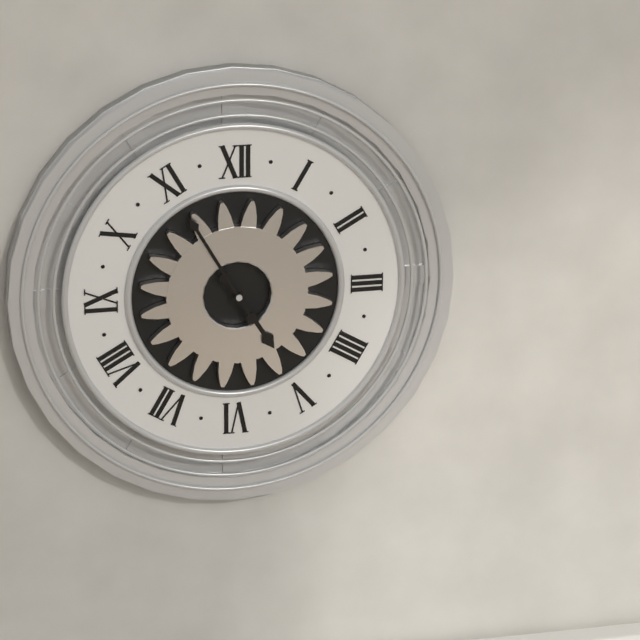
4:55
